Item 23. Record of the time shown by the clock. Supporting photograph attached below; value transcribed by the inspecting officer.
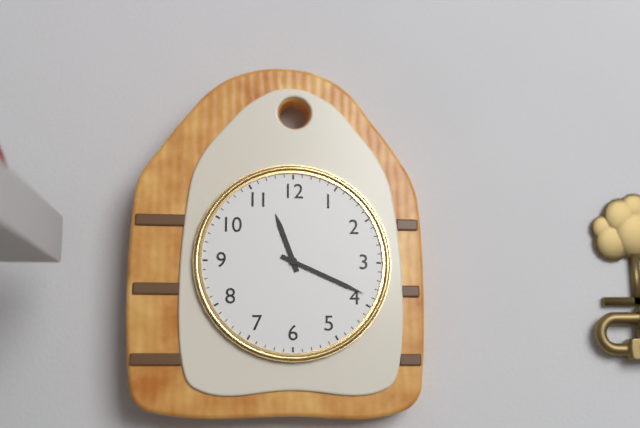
11:19
